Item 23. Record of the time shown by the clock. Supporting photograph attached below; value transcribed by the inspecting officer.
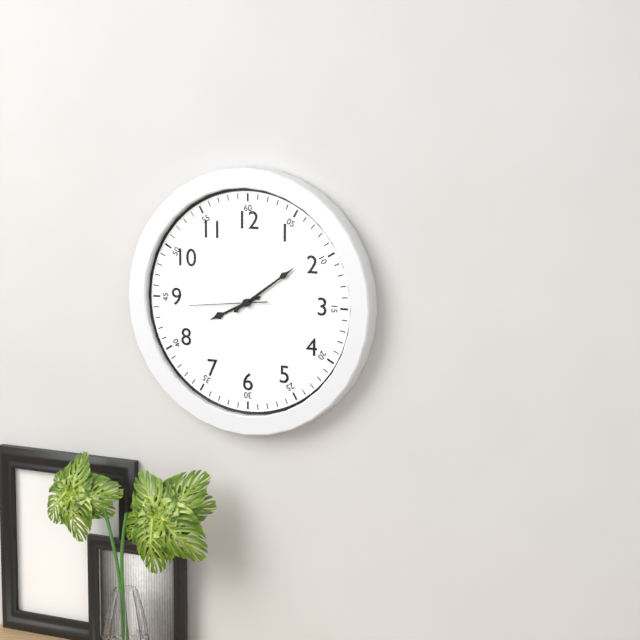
8:09:44
